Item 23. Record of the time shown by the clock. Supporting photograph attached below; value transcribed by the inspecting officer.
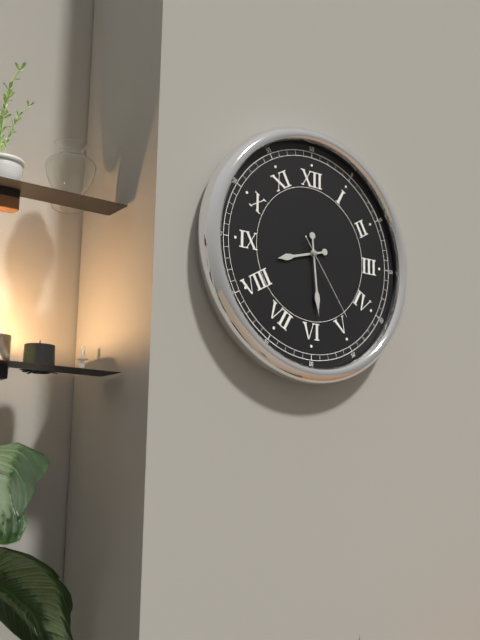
8:29:24
